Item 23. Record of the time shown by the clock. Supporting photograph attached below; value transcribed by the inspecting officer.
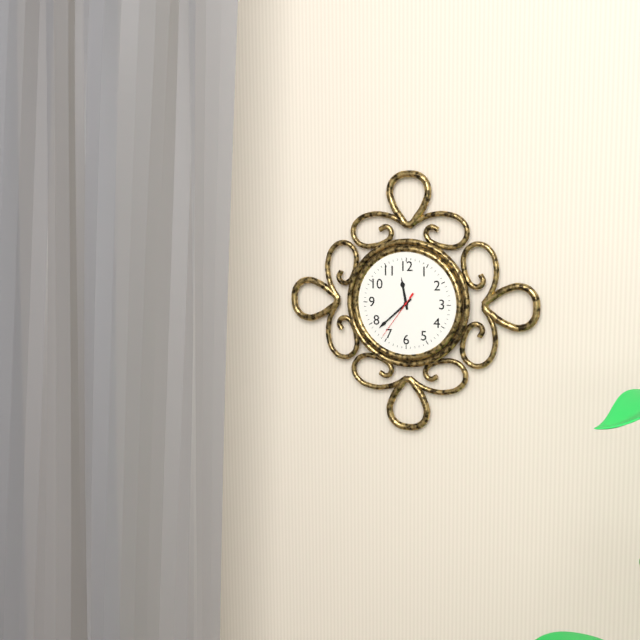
11:38:36
